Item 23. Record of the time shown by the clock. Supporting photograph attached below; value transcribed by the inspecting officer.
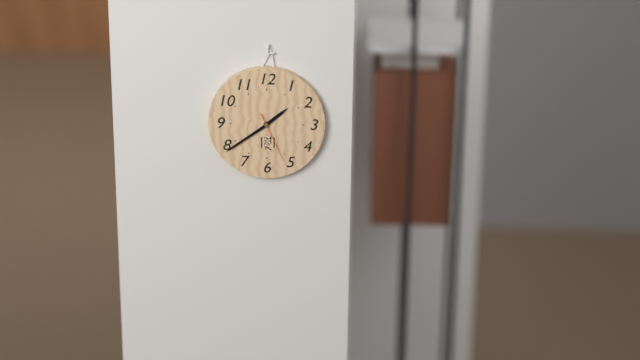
1:39:26
